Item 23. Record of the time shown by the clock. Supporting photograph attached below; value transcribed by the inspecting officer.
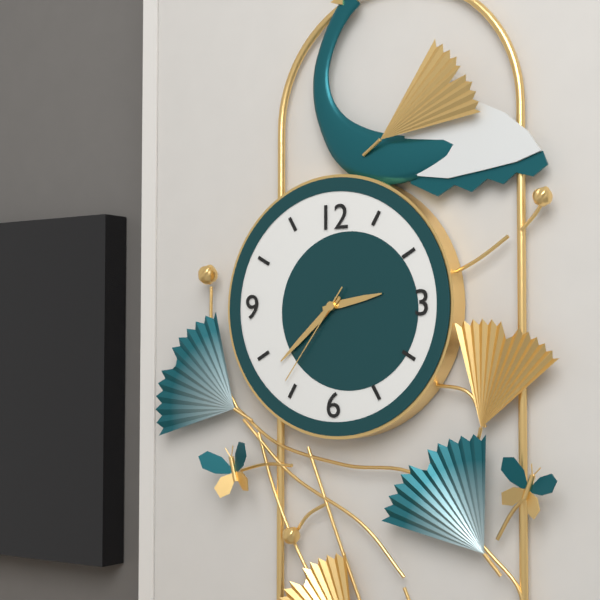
2:38:36
